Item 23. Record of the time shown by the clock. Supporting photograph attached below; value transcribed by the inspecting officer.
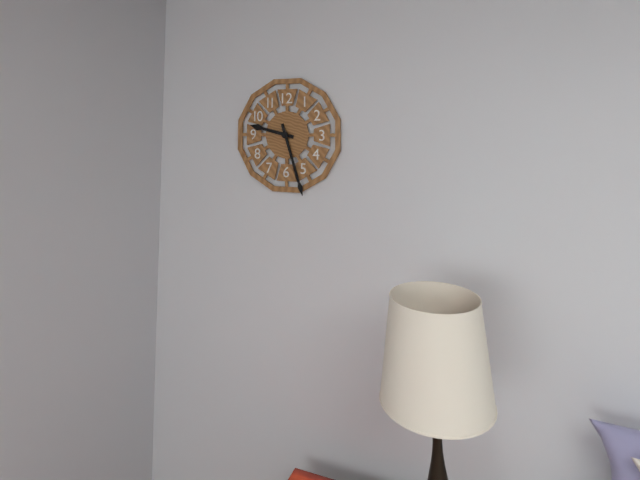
9:27
